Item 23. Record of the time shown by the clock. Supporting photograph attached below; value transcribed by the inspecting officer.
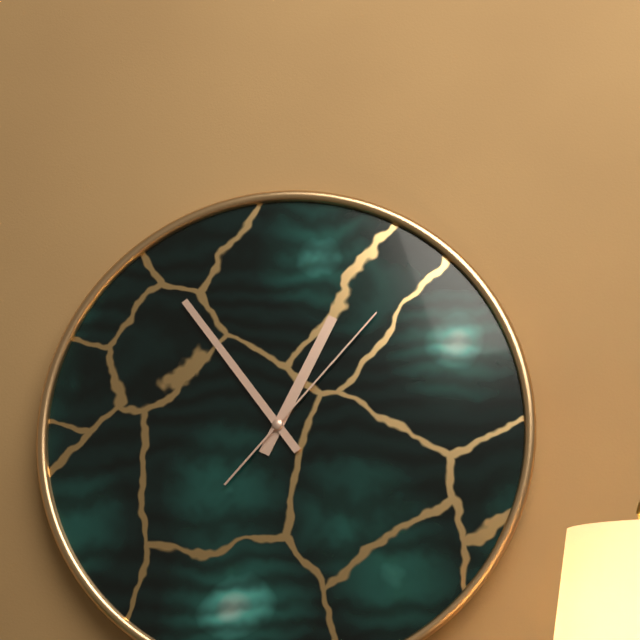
12:54:07
